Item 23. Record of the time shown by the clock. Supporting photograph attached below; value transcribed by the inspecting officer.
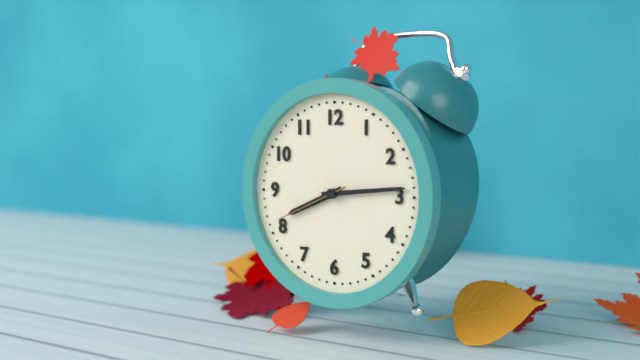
8:14:41
